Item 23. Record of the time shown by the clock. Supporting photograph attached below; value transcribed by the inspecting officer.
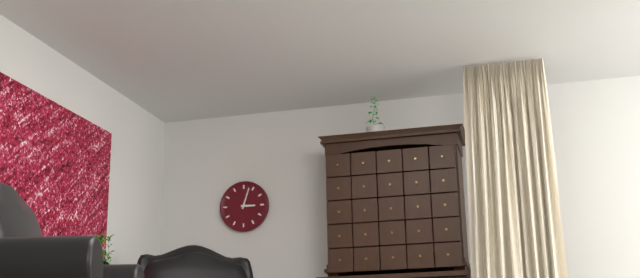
3:03
